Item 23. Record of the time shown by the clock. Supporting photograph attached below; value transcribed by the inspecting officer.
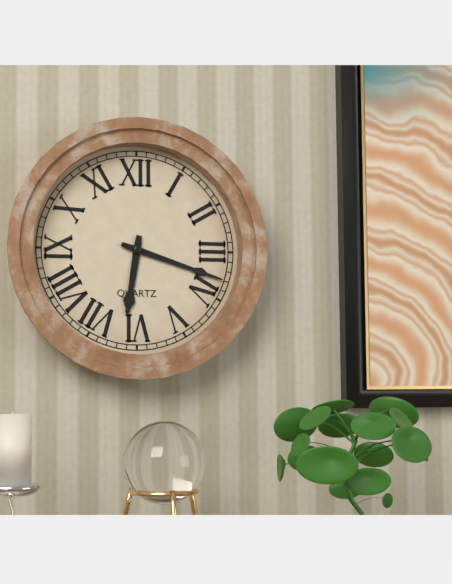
6:18
